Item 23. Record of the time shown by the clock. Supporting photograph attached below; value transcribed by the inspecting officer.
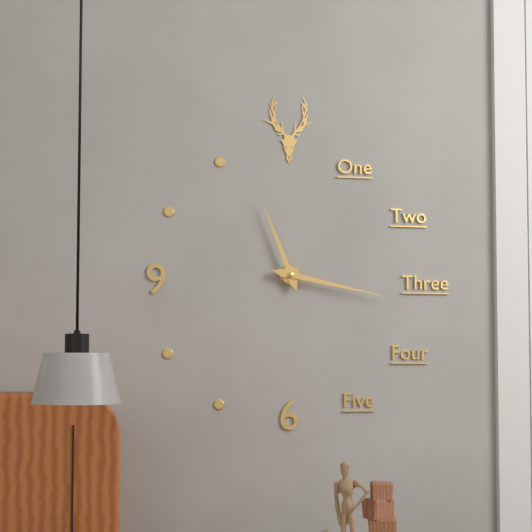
11:17
